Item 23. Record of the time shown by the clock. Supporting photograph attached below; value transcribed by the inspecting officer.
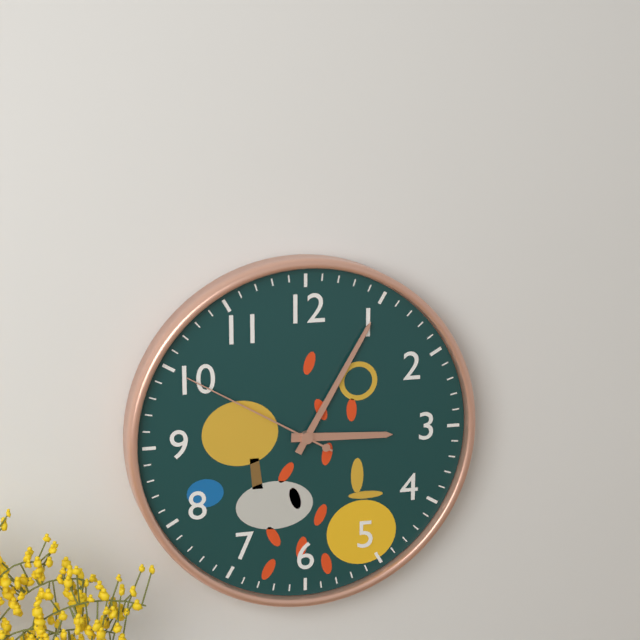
3:05:50
